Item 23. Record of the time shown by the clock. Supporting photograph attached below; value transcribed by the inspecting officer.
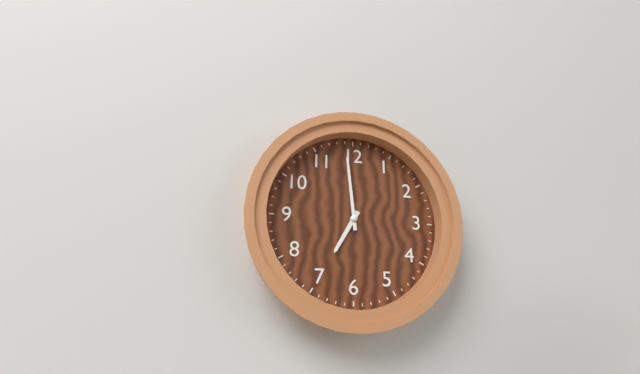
6:59
